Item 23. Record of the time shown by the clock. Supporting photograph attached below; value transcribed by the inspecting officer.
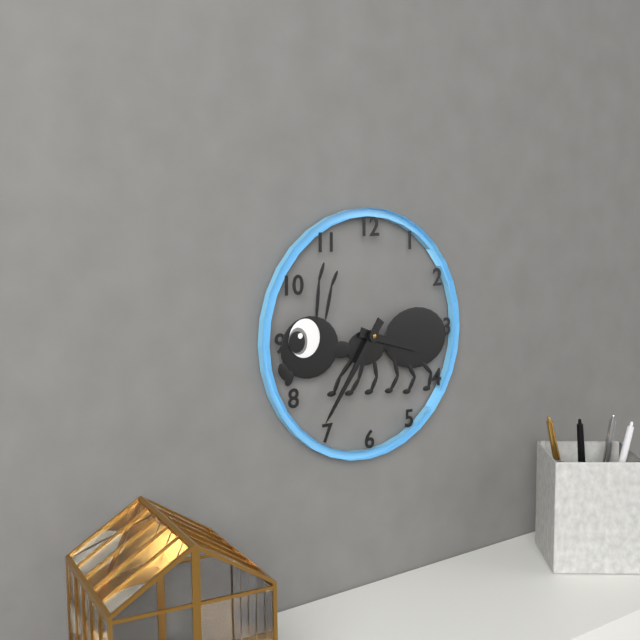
3:36
